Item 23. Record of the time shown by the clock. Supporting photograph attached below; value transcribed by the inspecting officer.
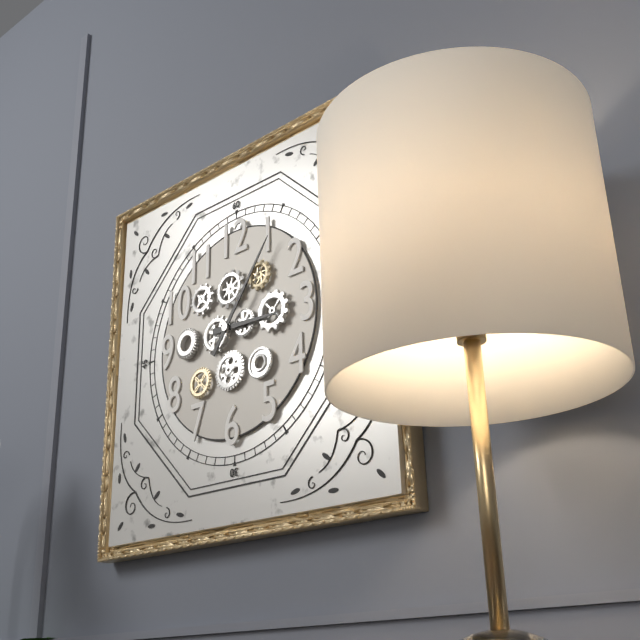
3:06
